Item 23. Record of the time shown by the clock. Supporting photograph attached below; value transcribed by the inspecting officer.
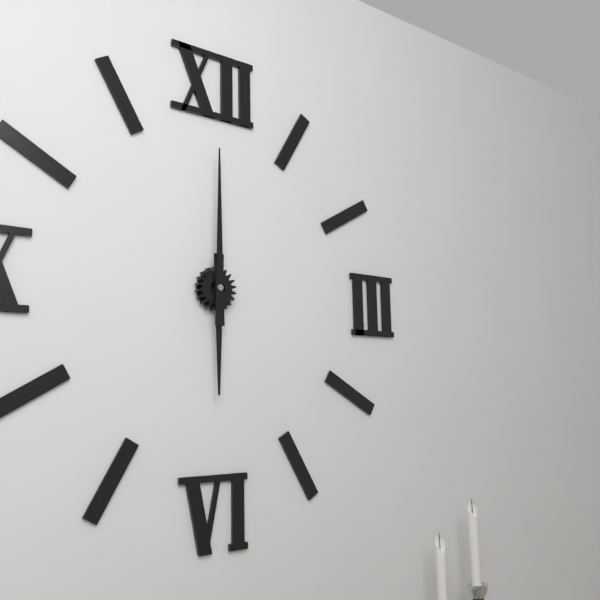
6:00
